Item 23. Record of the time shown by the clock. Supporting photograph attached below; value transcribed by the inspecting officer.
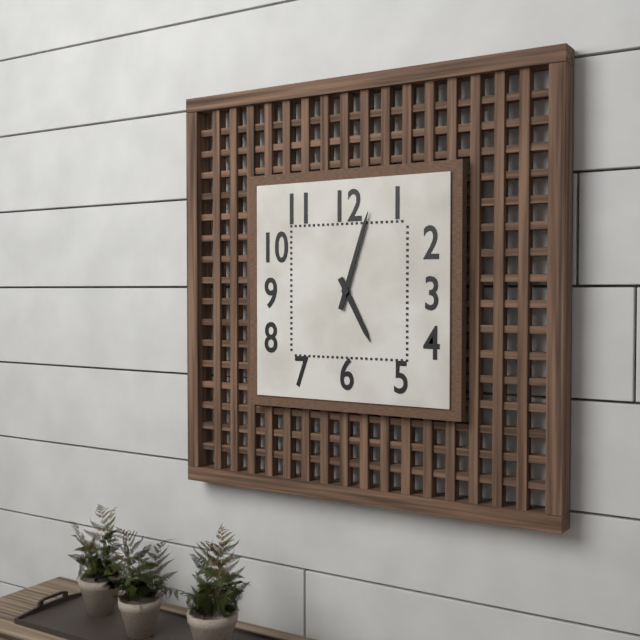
5:03
